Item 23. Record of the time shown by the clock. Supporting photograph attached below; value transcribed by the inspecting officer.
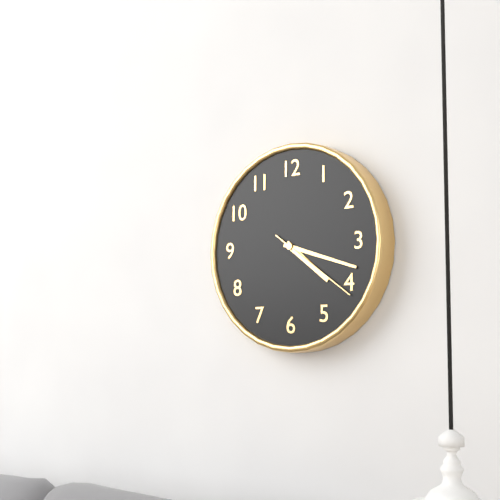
4:18:21
